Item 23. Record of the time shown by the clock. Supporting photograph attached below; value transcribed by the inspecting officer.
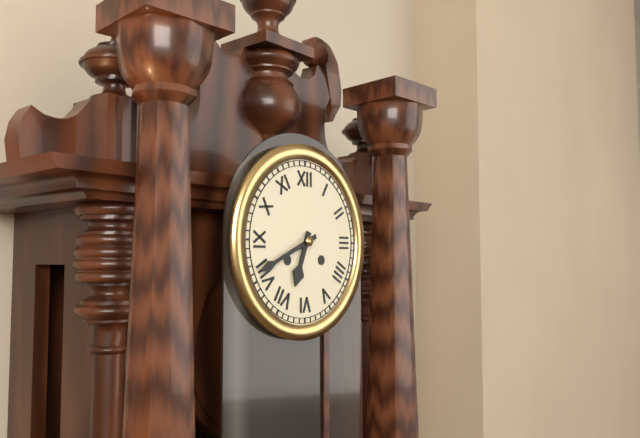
6:41
